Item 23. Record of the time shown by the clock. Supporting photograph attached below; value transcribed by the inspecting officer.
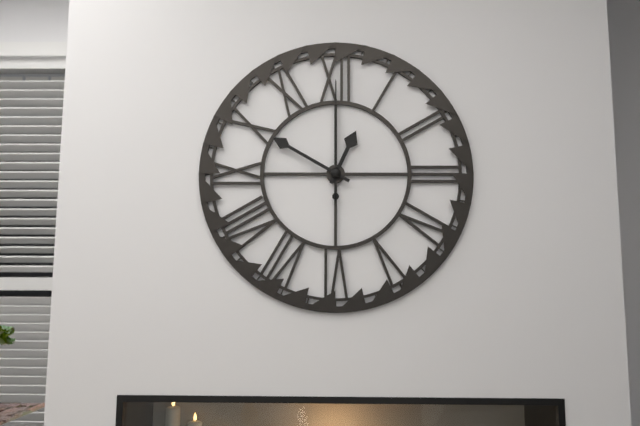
12:50:00
